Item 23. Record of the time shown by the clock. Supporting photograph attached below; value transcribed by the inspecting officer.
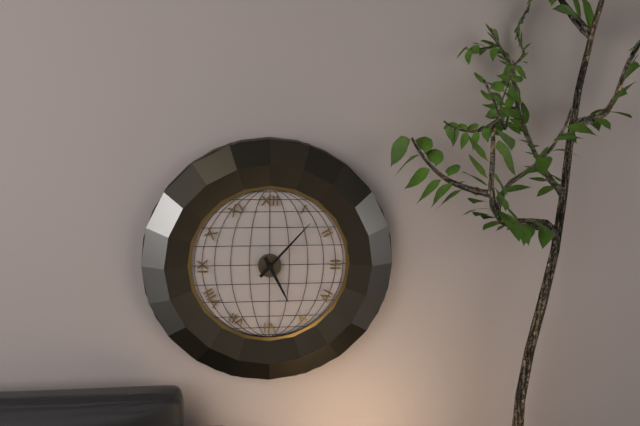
5:07
